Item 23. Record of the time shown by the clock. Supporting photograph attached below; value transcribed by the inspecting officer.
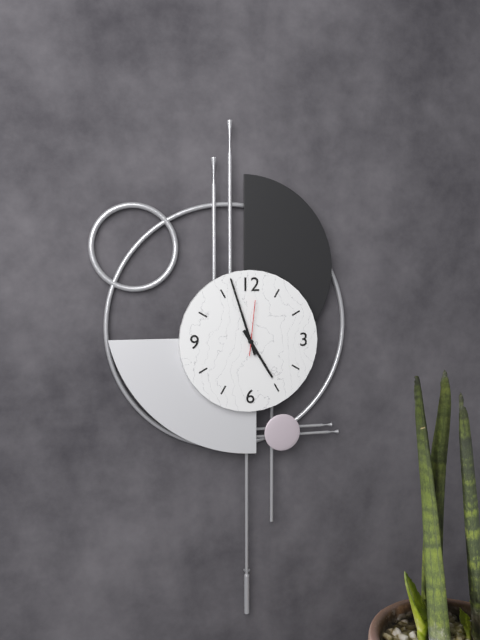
4:57:01
